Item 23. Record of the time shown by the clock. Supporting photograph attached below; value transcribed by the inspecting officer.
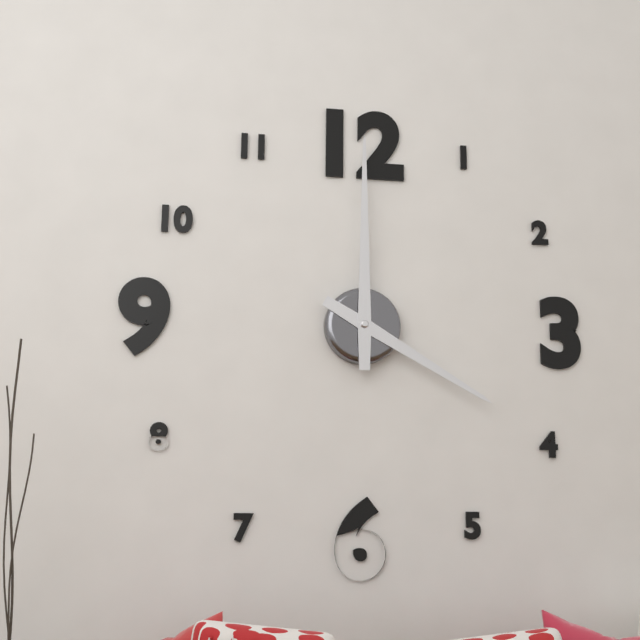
4:00
